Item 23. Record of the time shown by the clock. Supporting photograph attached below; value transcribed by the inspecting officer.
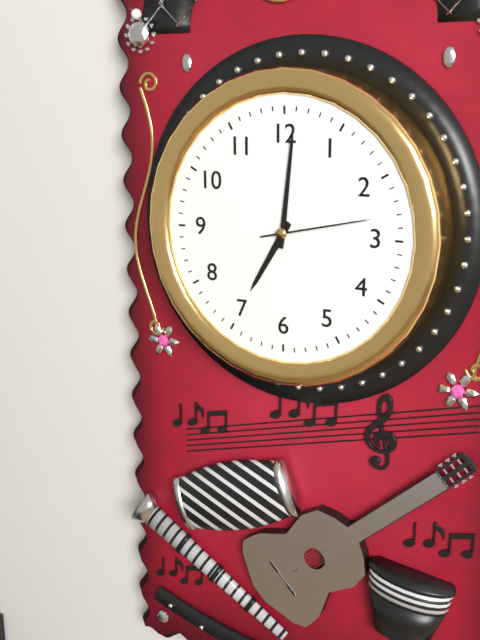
7:01:13
